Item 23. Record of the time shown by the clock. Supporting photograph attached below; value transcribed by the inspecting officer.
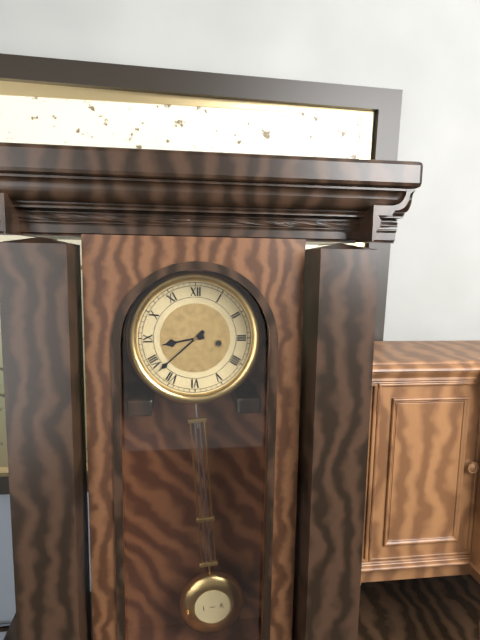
8:38
